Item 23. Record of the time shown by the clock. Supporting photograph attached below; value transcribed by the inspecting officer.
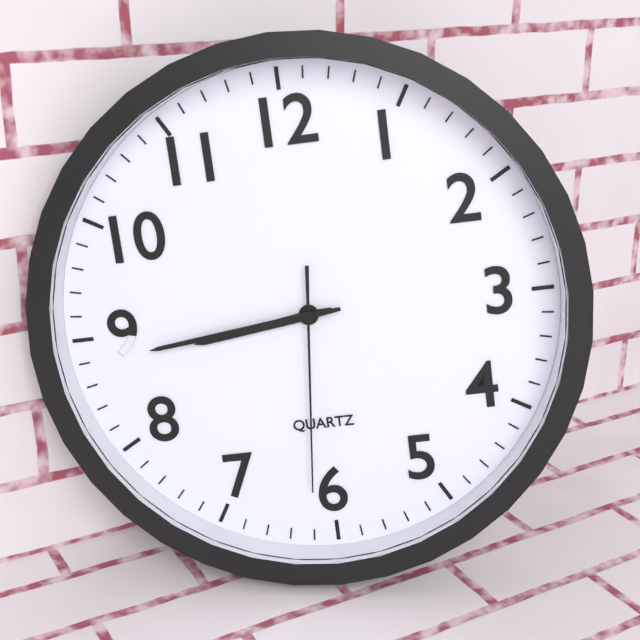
8:44:31
